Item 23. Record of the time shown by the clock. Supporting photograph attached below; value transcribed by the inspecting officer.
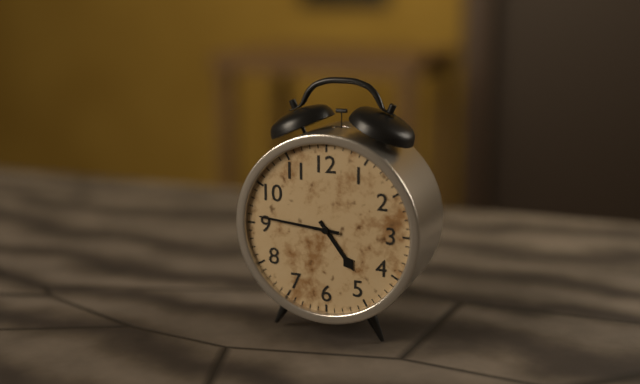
4:46
